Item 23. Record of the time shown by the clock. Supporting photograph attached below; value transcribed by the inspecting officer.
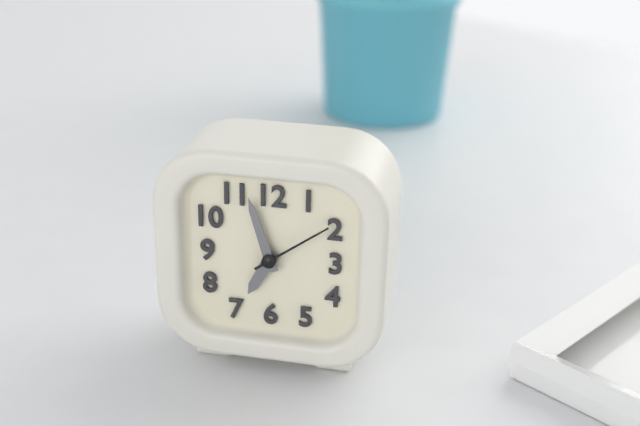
6:57:09
